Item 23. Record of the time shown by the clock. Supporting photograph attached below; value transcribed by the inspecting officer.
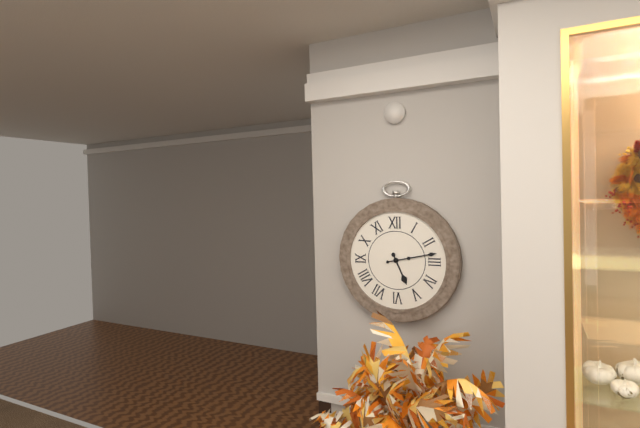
5:13
